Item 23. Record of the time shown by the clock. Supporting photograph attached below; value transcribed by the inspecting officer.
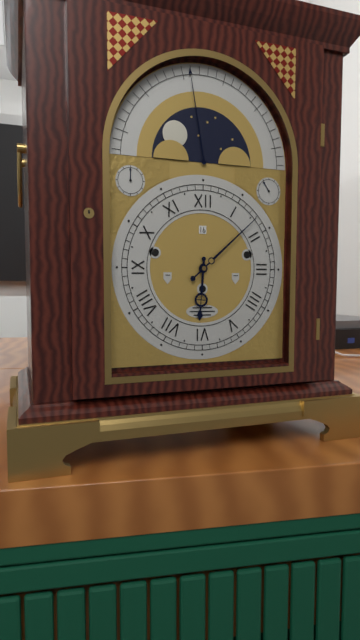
6:08
